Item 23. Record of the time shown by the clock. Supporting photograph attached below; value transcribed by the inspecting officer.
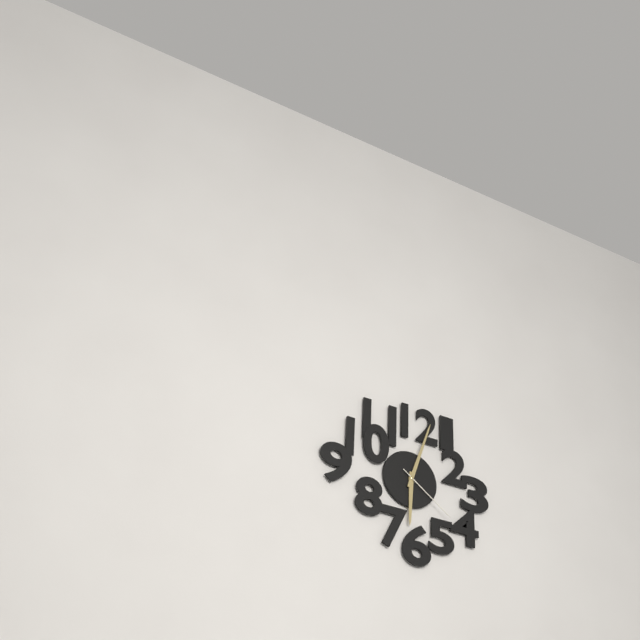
6:03:21
